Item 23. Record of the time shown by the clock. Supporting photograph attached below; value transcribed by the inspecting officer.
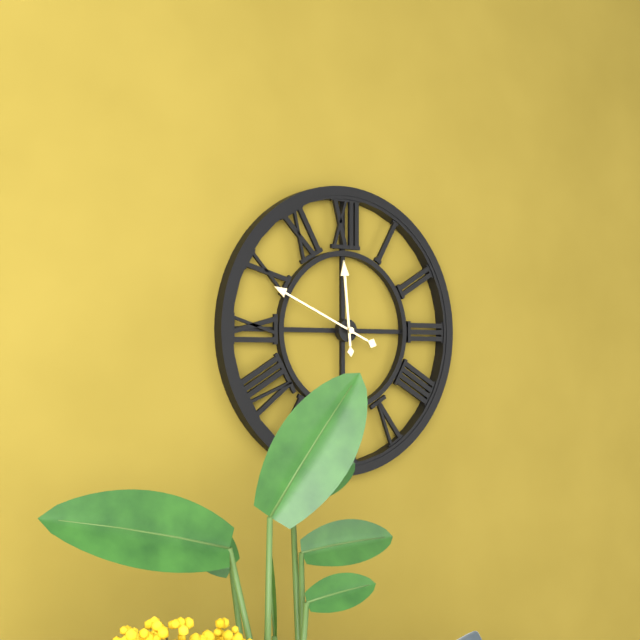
11:49
